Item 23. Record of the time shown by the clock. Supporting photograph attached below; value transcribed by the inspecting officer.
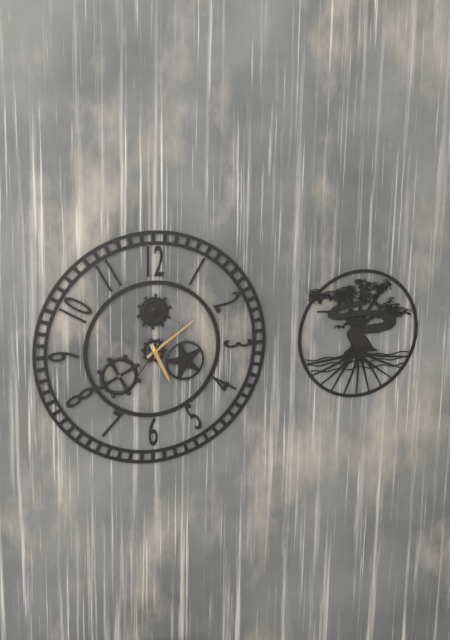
5:09:36
